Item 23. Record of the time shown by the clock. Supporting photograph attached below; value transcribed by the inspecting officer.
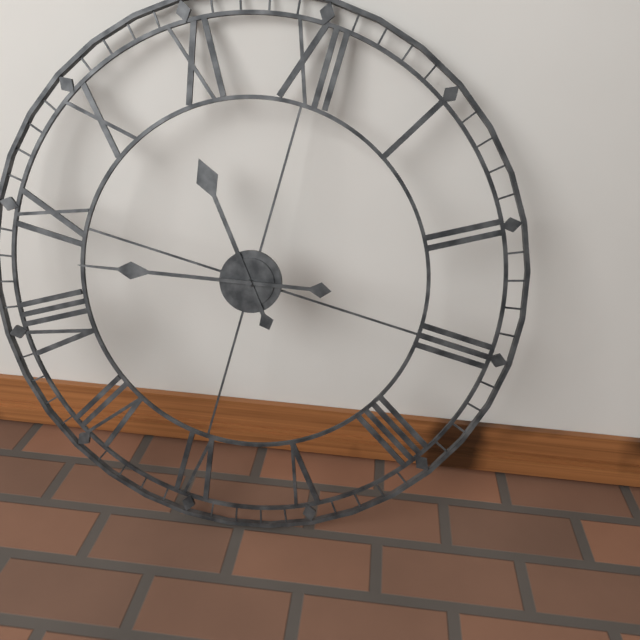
10:43
